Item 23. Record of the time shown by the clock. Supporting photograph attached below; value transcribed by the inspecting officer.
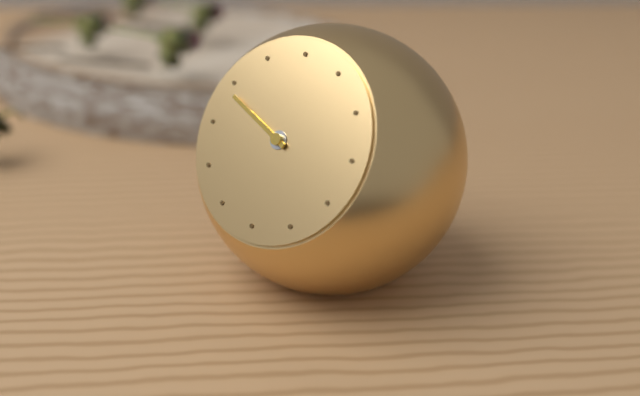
9:49
